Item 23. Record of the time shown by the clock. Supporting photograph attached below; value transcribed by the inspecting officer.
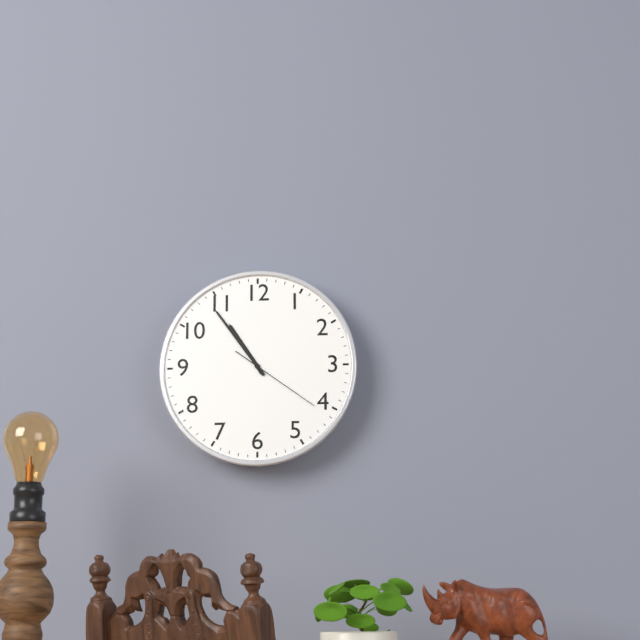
10:54:21
